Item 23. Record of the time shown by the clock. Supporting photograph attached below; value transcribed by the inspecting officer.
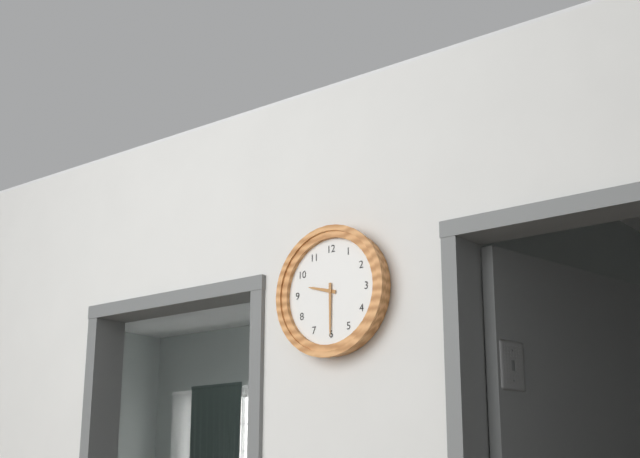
9:30
